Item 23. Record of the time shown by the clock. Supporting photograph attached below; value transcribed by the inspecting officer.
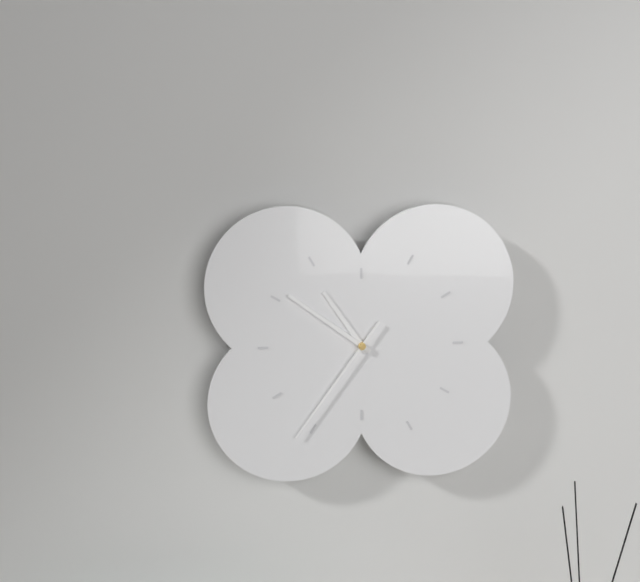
10:51:36
